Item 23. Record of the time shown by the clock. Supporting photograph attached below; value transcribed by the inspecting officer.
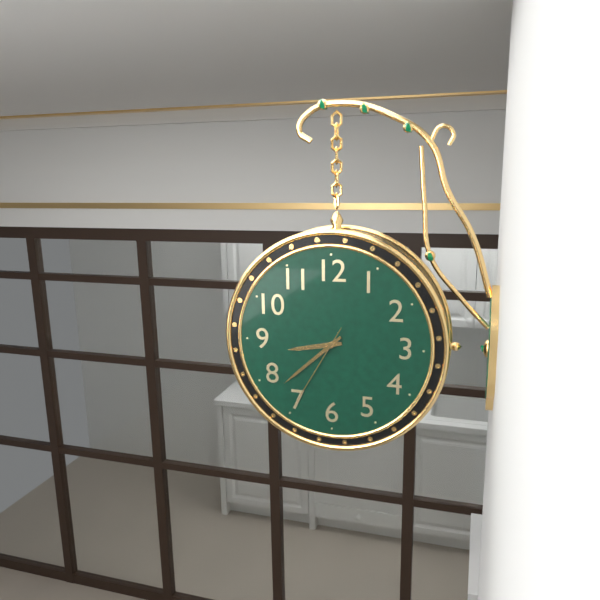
8:38:35
